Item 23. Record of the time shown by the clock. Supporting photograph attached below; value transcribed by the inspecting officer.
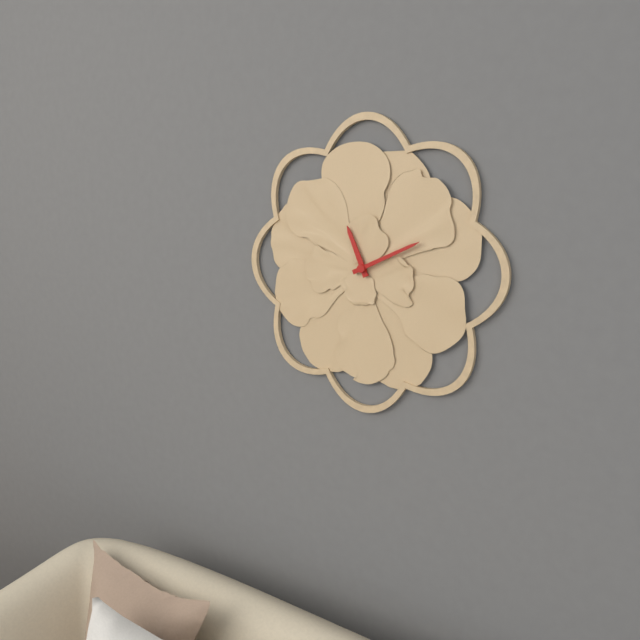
11:11
